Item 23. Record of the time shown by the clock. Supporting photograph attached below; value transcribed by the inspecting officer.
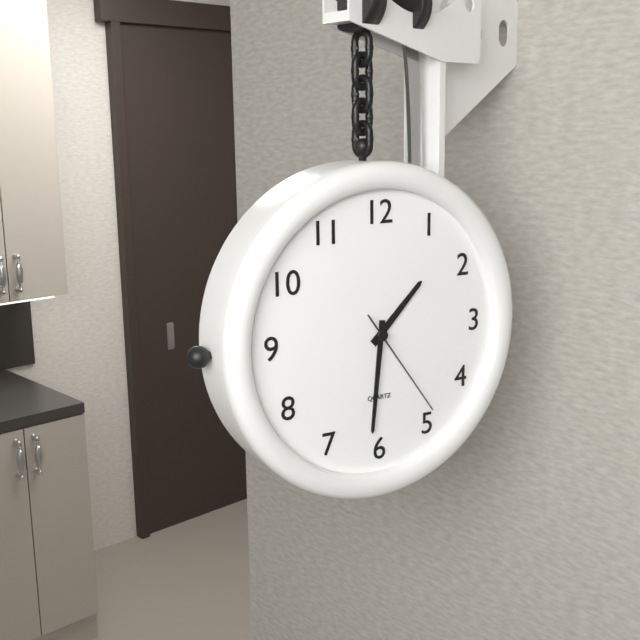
1:31:24
